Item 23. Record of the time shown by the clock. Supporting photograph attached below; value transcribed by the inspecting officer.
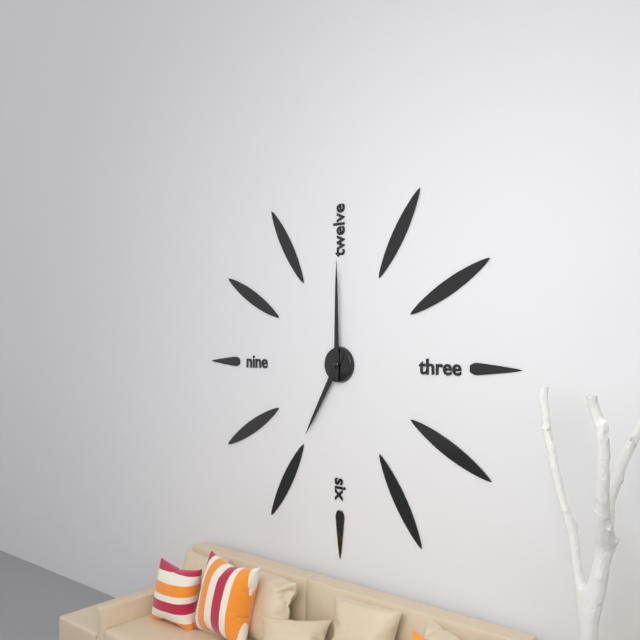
7:00
